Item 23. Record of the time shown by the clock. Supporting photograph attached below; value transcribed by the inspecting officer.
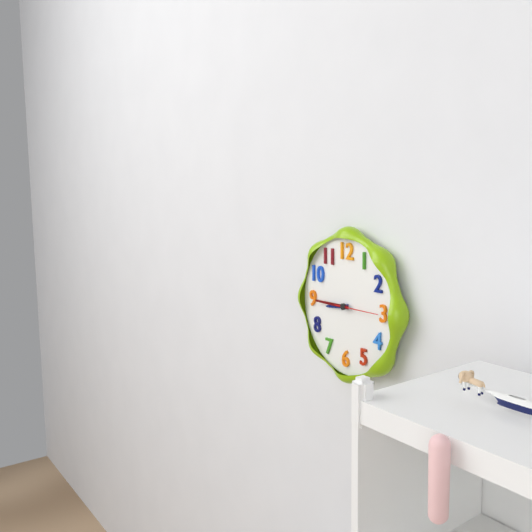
8:45
